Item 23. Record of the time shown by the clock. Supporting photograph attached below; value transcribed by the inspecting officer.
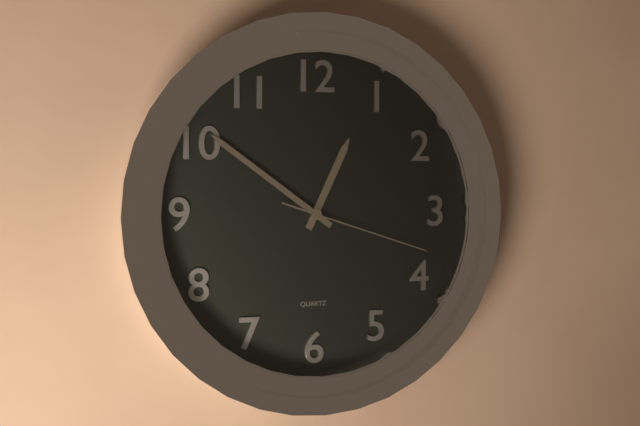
12:51:18
